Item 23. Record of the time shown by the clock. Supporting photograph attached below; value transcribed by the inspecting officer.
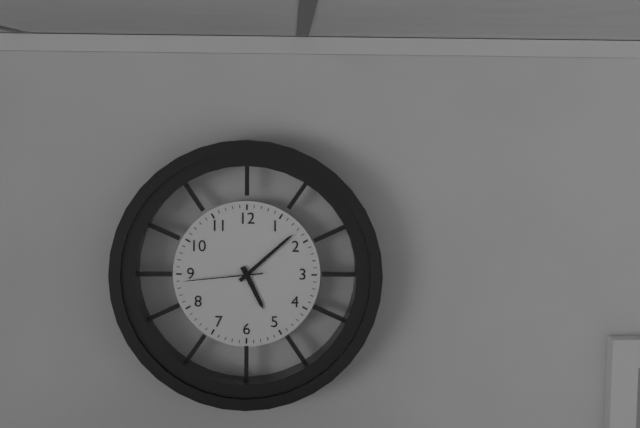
5:08:44
